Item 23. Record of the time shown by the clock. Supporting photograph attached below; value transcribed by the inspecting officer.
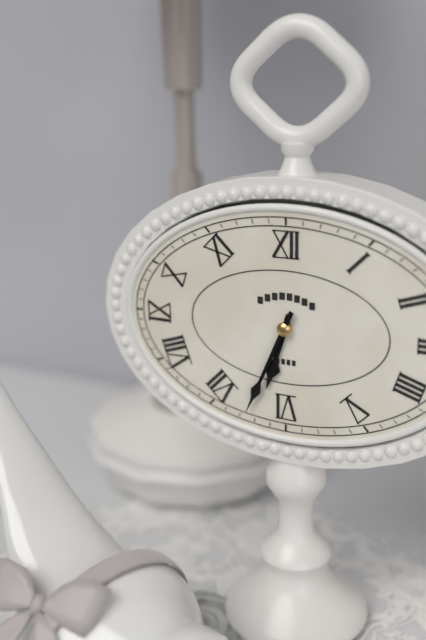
6:34
